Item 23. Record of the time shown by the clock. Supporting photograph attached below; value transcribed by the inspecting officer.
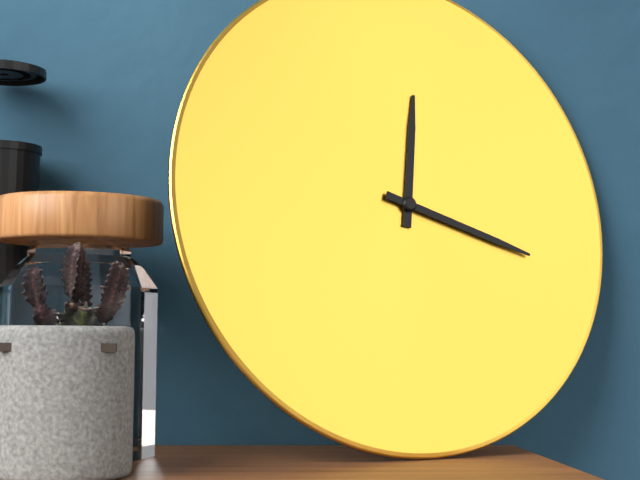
12:18
